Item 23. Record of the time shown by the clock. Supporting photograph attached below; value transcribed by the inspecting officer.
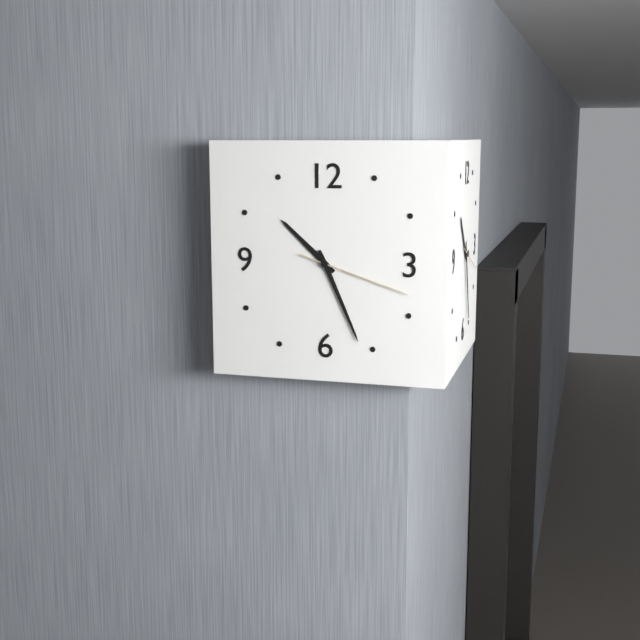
10:26:18
